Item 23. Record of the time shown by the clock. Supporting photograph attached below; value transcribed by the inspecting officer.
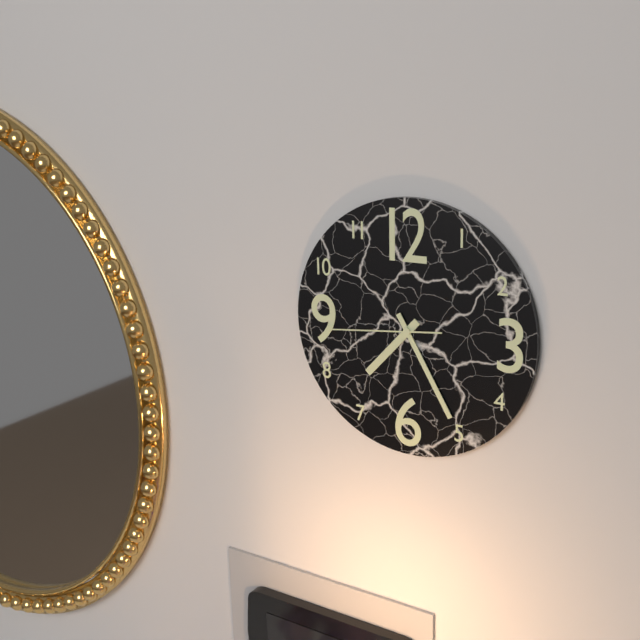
7:25:44
